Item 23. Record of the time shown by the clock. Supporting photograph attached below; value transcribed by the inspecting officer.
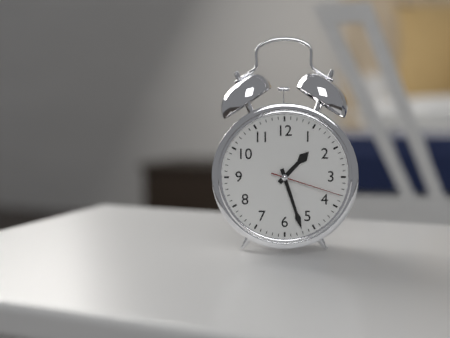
1:27:18
